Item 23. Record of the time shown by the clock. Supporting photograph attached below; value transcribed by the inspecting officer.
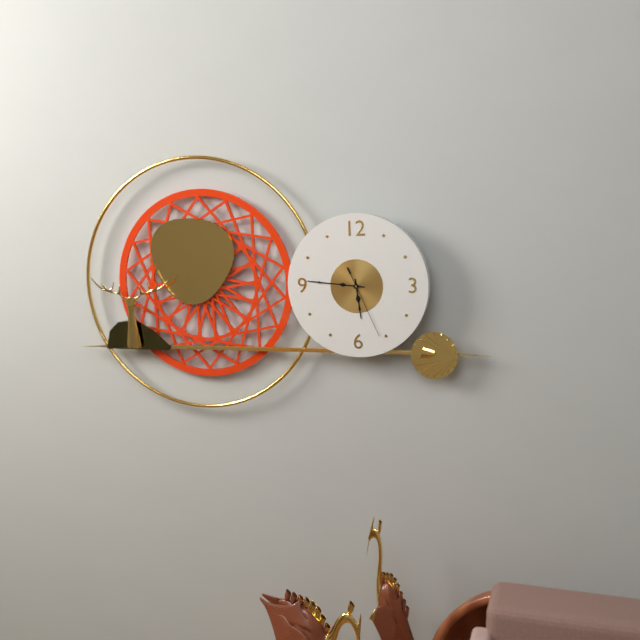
5:46:26
